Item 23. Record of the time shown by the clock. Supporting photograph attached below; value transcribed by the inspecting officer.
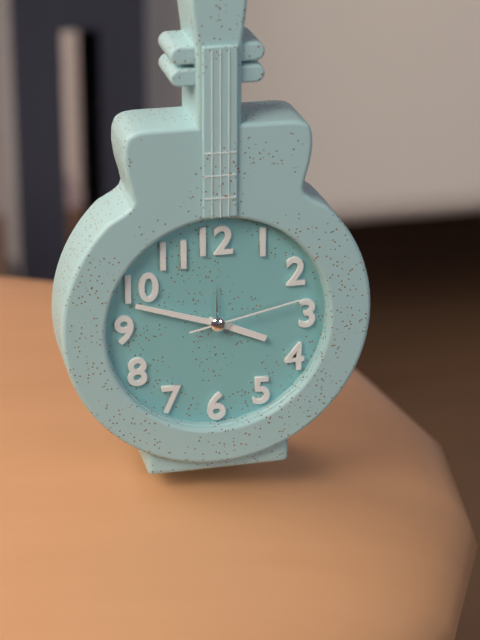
3:48:13
